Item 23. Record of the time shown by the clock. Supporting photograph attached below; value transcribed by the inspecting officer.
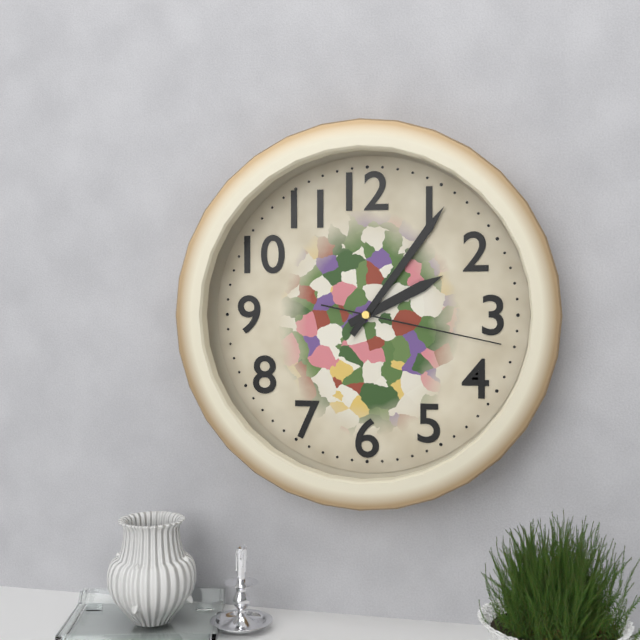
2:06:17
